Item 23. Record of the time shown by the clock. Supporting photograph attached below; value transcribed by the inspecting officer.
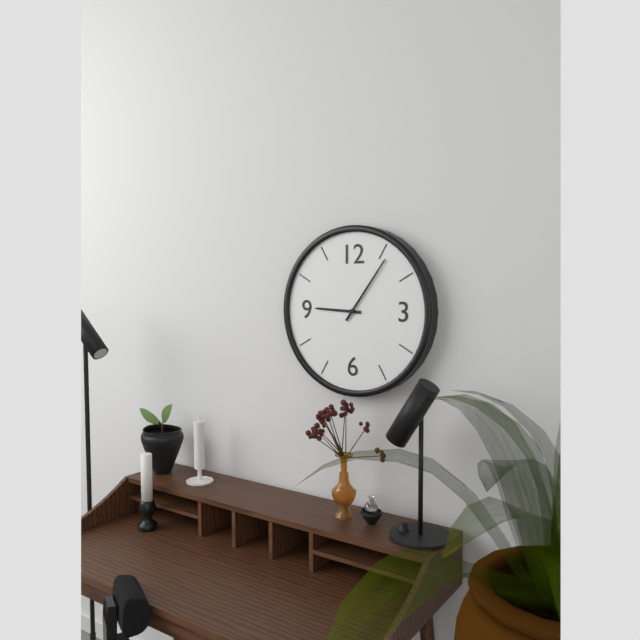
9:06
